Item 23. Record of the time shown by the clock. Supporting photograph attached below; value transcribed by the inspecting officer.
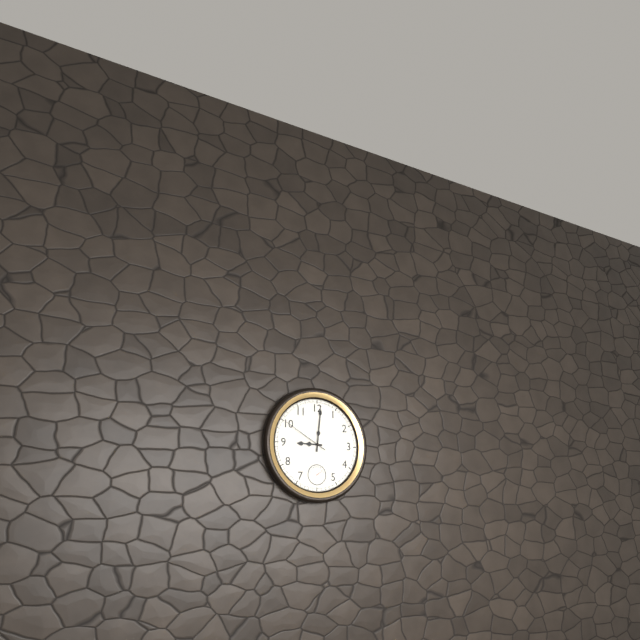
9:01
